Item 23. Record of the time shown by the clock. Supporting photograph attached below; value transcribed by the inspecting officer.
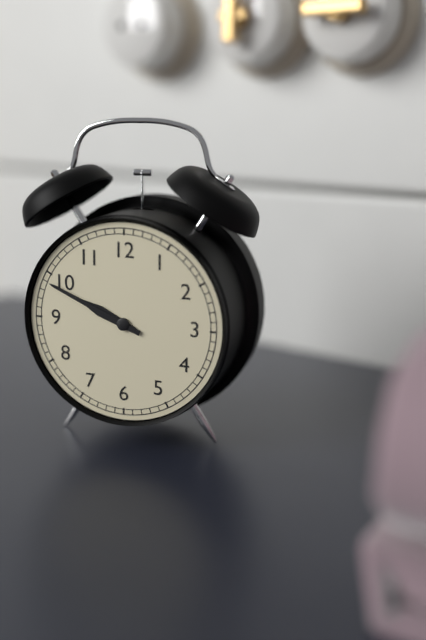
9:49
